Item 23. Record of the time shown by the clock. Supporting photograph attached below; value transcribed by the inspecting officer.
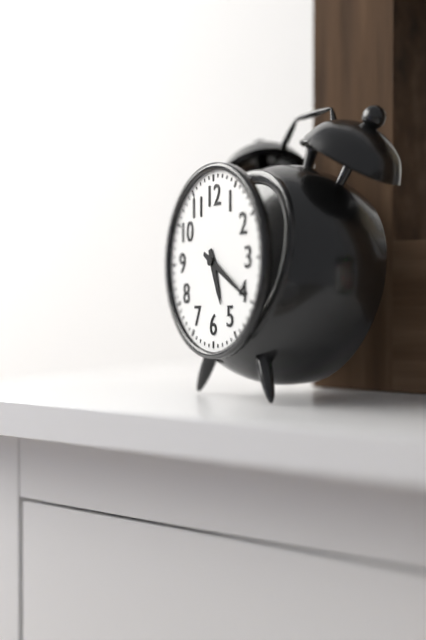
5:20
